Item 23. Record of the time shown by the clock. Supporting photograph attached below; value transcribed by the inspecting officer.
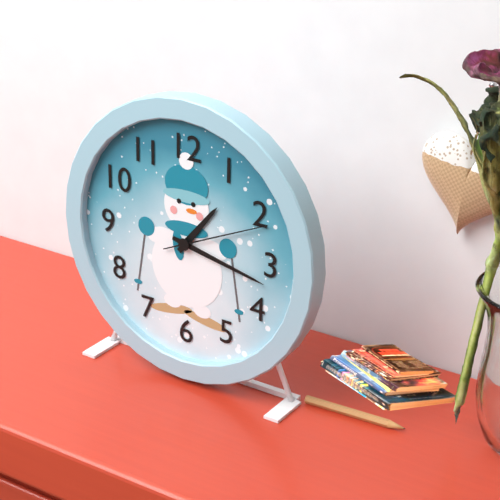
1:17:11
